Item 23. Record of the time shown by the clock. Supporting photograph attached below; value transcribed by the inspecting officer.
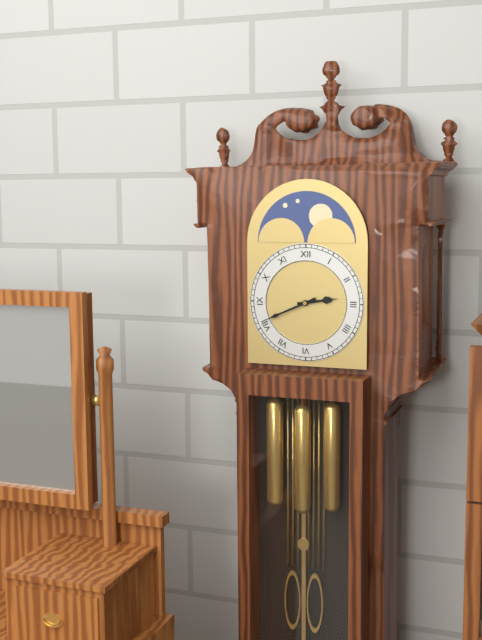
2:41
